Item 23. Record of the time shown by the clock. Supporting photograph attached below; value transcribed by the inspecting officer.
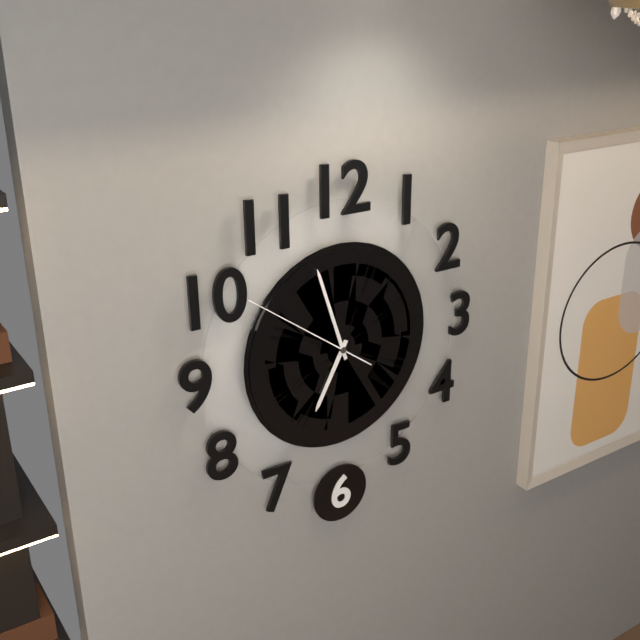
6:57:51
